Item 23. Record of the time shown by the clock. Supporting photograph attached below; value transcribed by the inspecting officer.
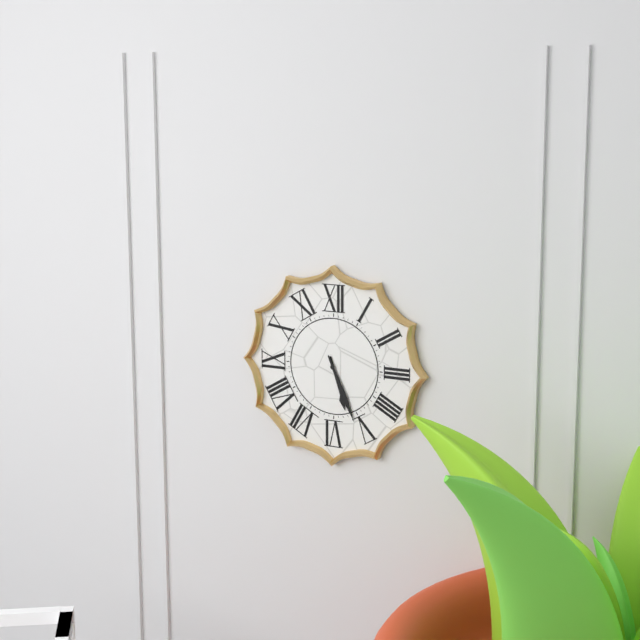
5:26
